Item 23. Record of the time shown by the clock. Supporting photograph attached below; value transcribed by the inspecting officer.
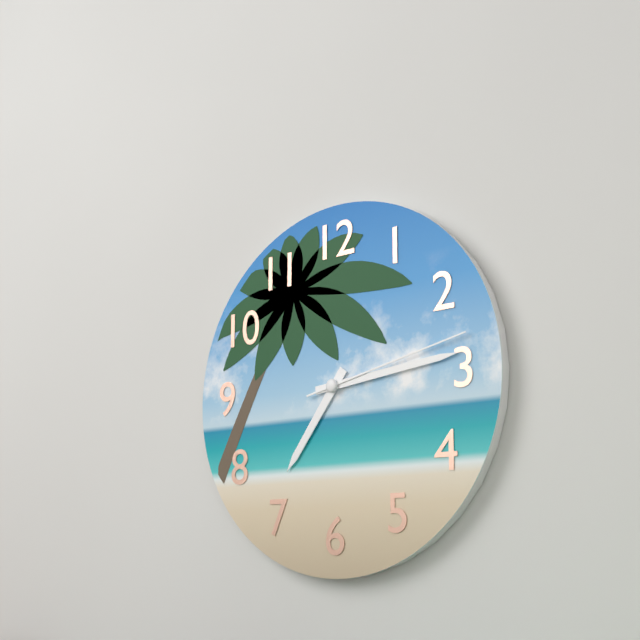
7:14:13
